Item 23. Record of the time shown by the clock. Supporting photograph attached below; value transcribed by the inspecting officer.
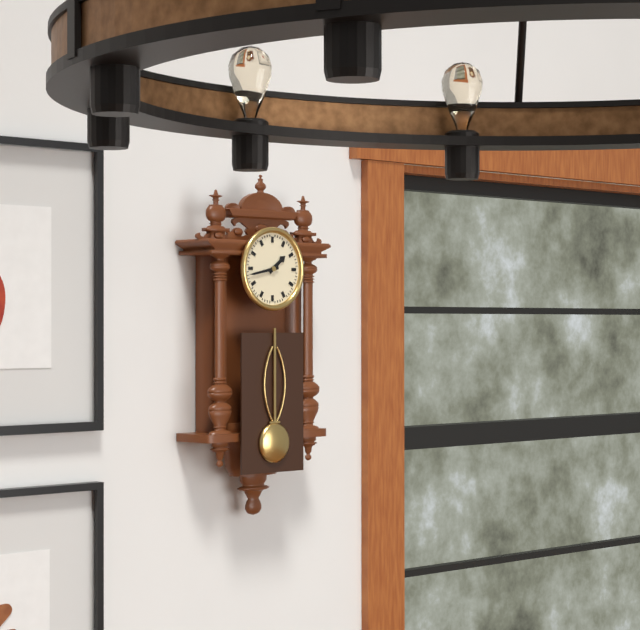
1:43
